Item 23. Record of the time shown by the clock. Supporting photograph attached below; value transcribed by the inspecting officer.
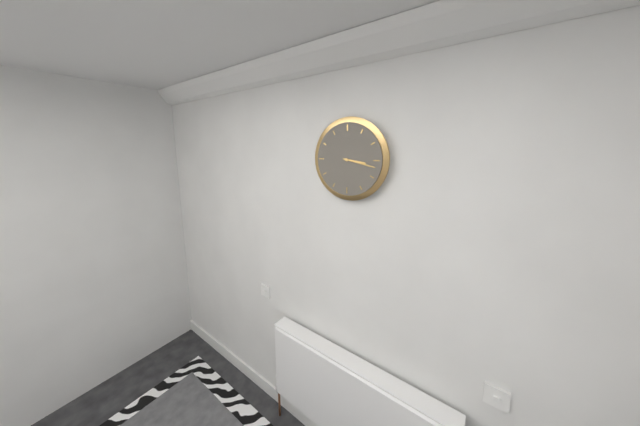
3:17
